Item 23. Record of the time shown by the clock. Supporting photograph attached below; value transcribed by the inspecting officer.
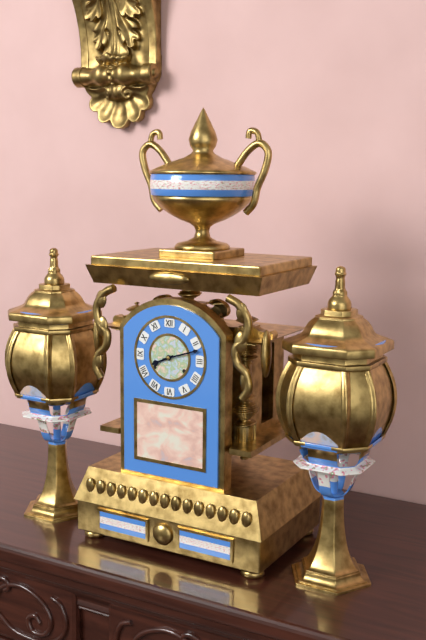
8:12
